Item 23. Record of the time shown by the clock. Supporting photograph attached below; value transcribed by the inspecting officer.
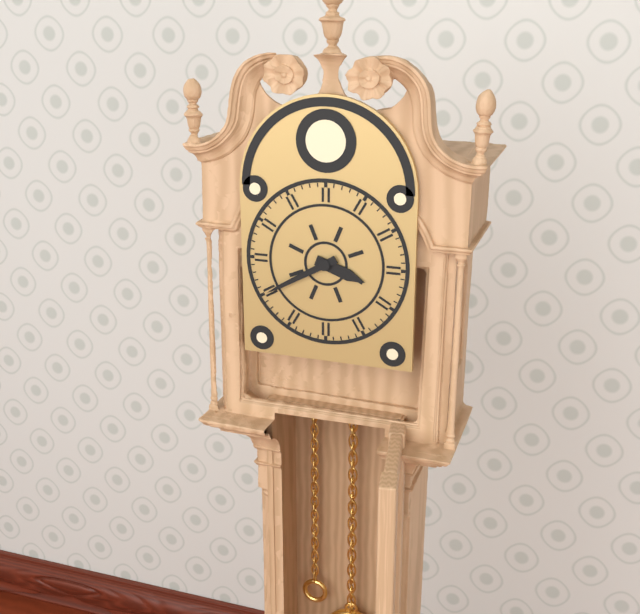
3:40
